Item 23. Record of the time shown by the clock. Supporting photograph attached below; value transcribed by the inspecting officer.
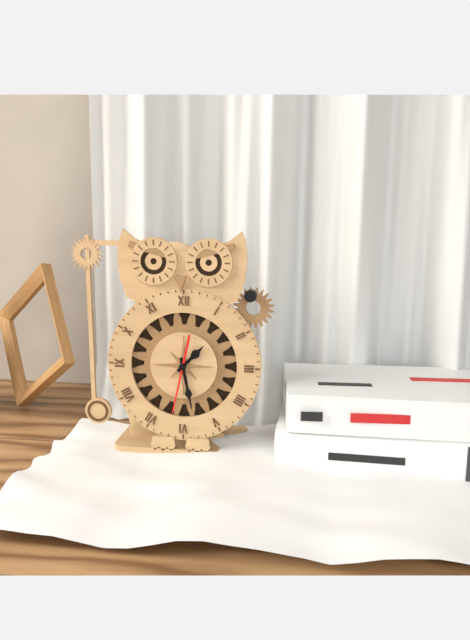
1:28:32
